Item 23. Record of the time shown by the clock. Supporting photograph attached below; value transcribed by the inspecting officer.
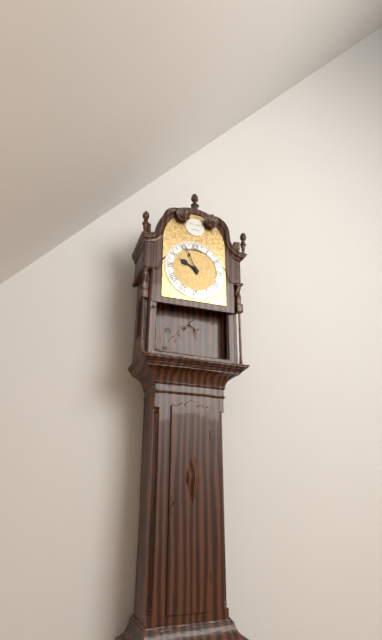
9:56
